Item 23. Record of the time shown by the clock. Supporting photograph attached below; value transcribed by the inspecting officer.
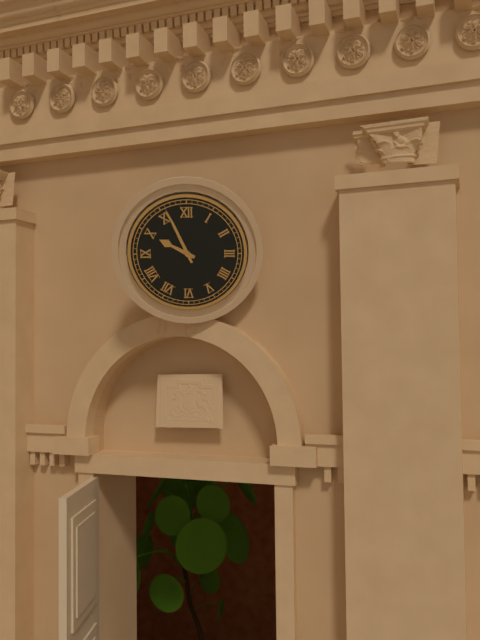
9:56
